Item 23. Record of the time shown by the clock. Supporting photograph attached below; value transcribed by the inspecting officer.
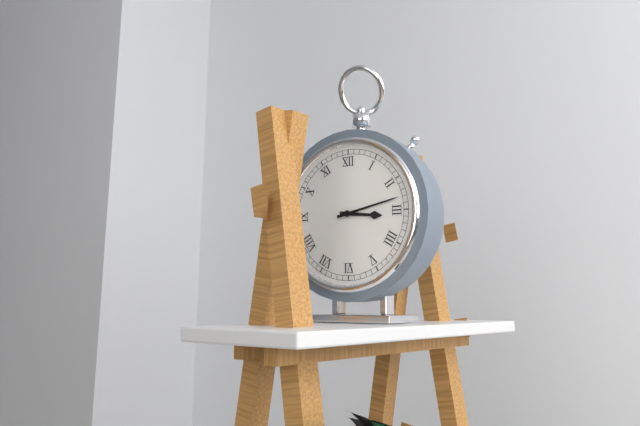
3:13
